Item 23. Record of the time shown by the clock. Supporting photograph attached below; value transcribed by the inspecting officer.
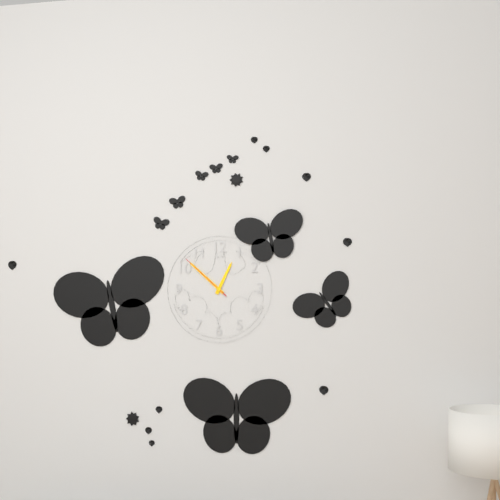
12:52:52
